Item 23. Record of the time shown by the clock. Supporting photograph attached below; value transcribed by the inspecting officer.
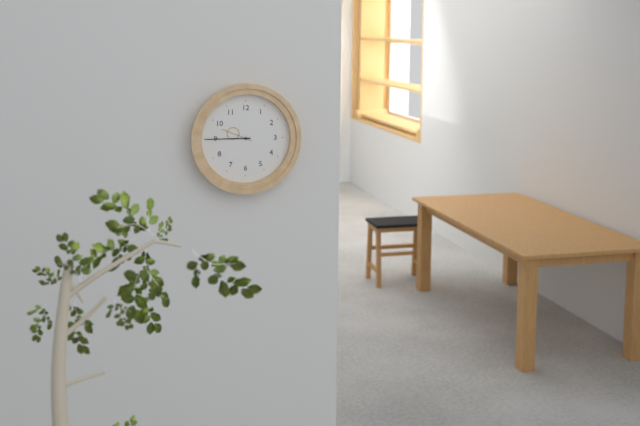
9:45
